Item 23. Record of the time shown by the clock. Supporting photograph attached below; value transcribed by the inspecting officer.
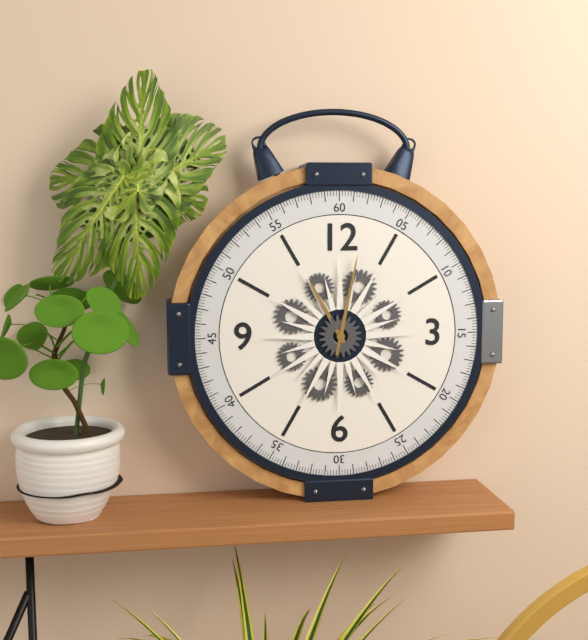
11:02
